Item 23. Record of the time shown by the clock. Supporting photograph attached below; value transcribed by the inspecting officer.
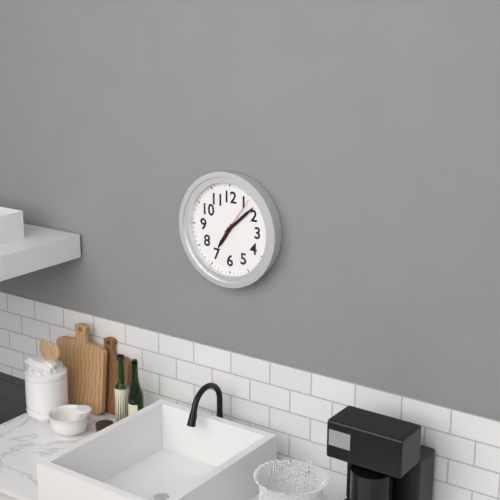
7:08
